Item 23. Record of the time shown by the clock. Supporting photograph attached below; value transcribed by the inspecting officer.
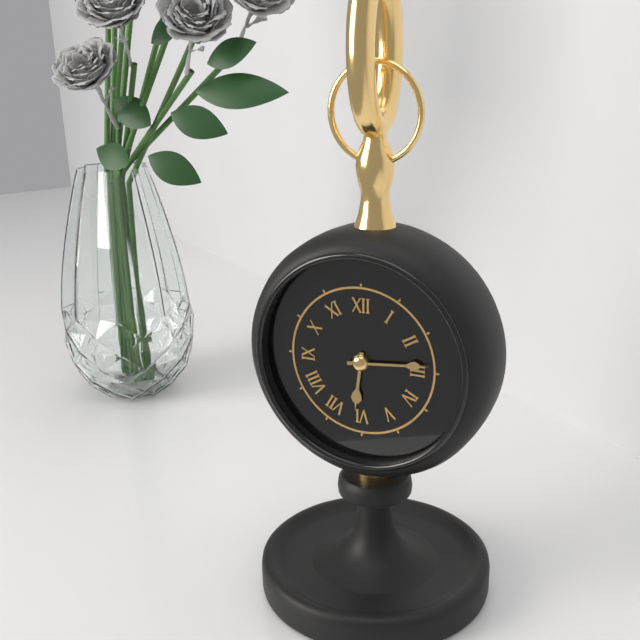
6:14
